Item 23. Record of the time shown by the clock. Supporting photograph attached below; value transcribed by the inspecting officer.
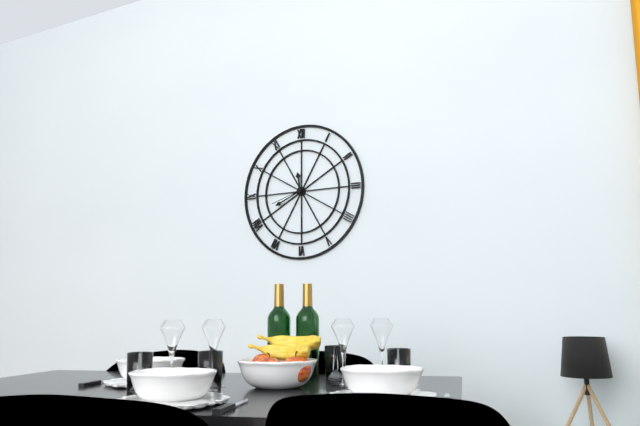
11:41
